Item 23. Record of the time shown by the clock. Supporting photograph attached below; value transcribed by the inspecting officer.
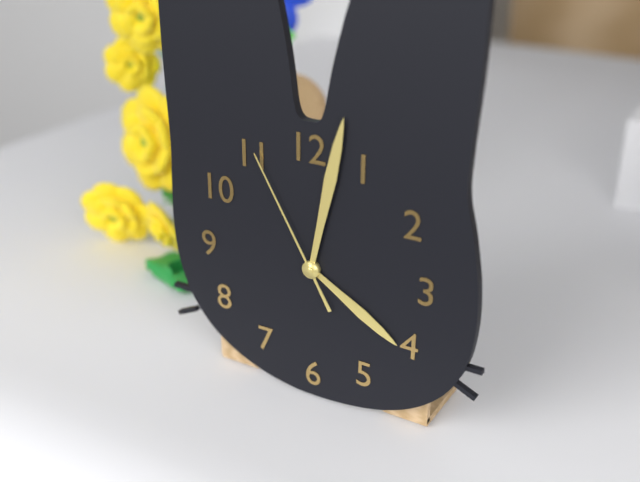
4:02:55
